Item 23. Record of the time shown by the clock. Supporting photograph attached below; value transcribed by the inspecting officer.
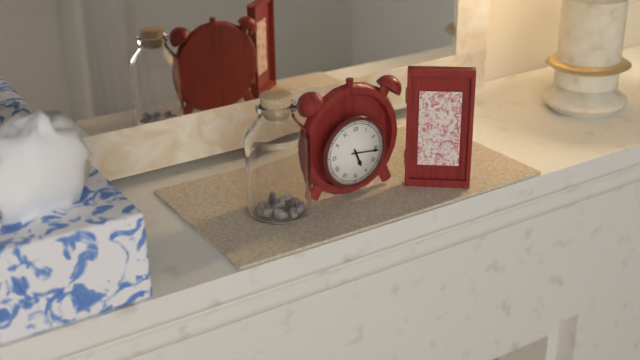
5:16
